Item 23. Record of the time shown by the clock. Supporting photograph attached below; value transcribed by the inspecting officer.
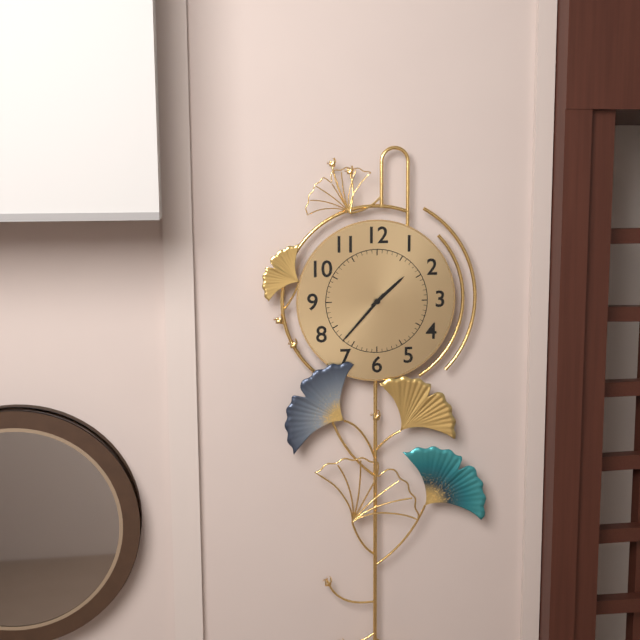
1:37
